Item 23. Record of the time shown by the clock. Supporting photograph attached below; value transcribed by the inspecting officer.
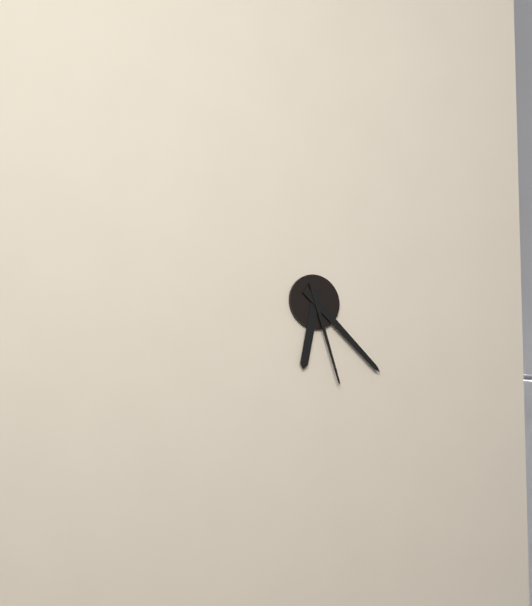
6:22:27
